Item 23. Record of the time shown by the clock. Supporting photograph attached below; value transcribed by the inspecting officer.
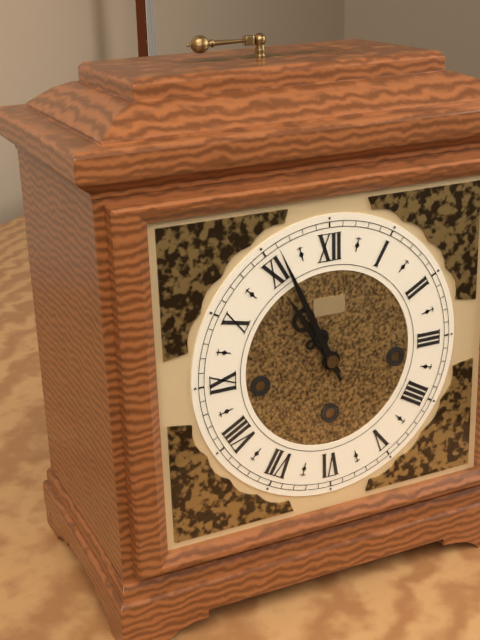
10:56
